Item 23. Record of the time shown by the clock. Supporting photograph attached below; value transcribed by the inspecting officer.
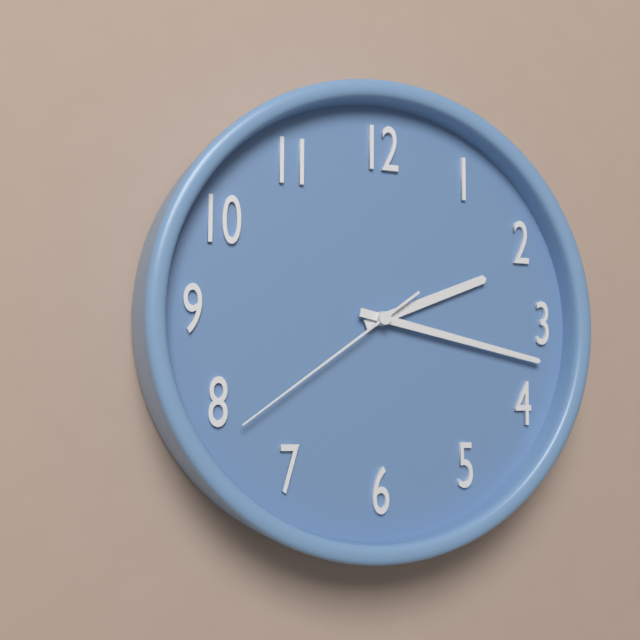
2:17:39
